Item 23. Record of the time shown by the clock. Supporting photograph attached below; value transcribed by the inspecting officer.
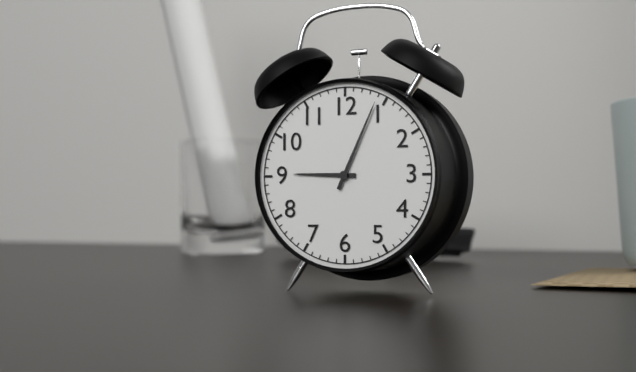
9:04
